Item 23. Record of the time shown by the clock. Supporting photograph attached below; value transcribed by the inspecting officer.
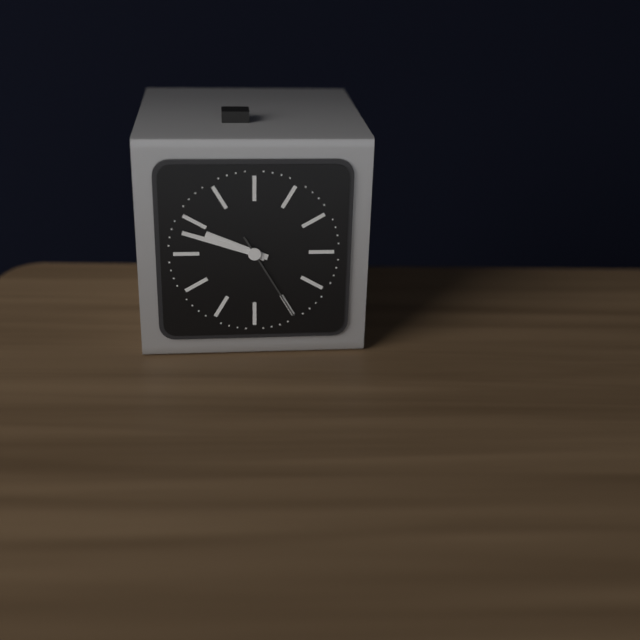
9:48:25
